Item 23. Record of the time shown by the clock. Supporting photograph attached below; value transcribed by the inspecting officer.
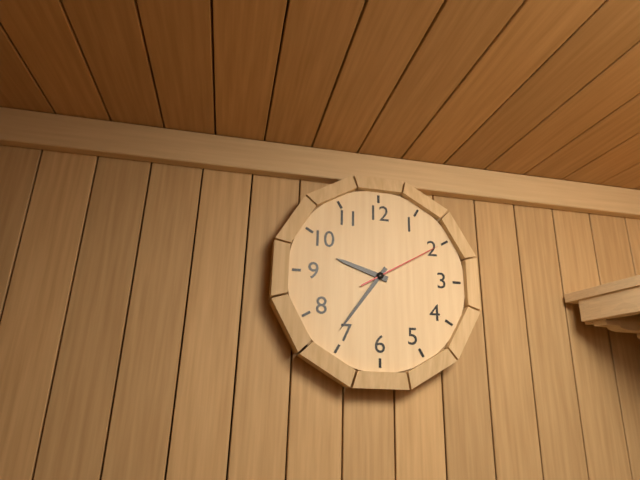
9:36:10
